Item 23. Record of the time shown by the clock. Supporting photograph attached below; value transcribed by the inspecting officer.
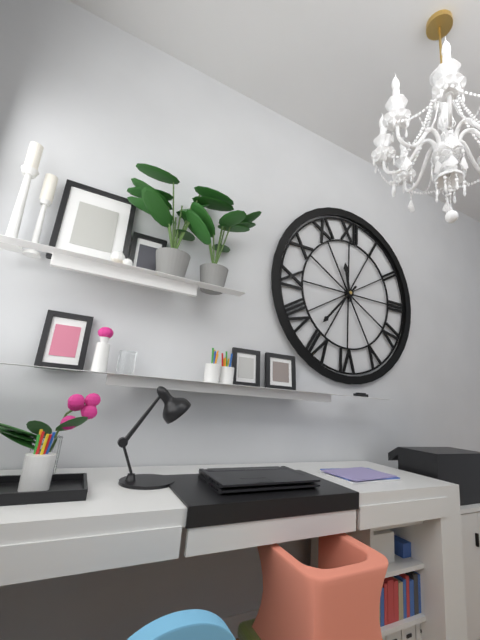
11:37
